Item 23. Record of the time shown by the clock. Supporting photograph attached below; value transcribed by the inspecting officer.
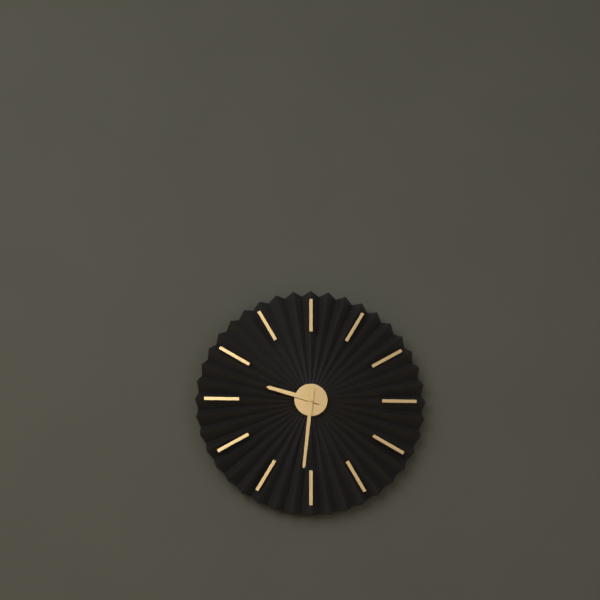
9:31
